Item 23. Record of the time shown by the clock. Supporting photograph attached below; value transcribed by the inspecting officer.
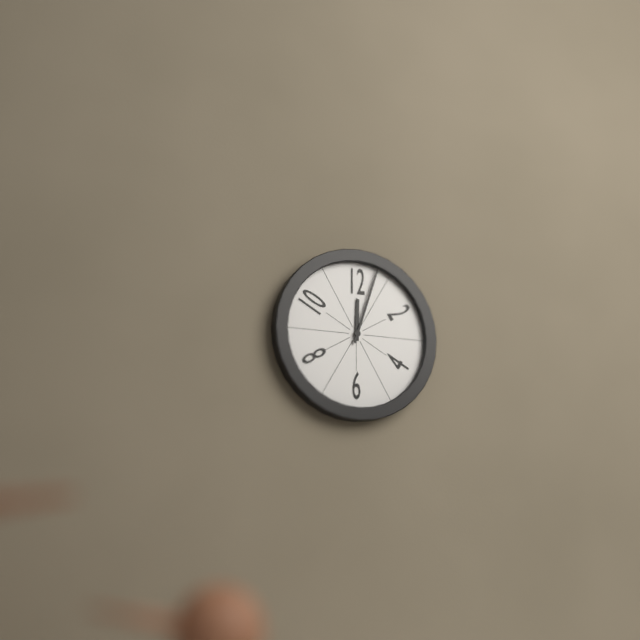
12:03
